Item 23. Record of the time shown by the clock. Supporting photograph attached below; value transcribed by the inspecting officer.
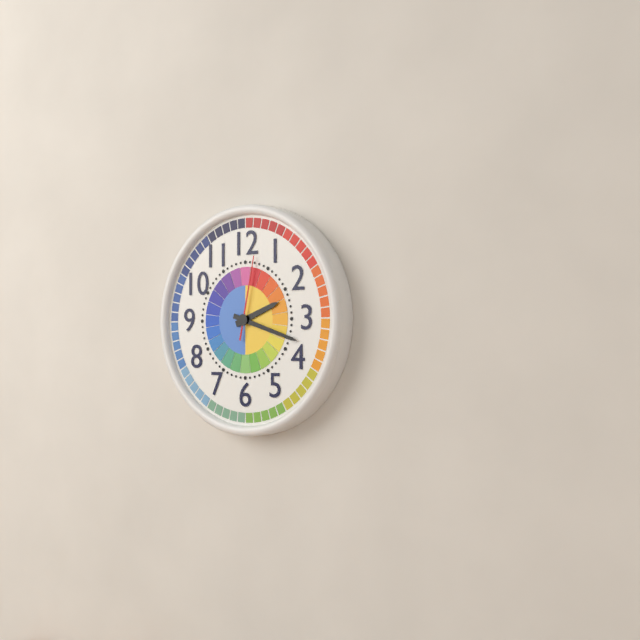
2:18:02
